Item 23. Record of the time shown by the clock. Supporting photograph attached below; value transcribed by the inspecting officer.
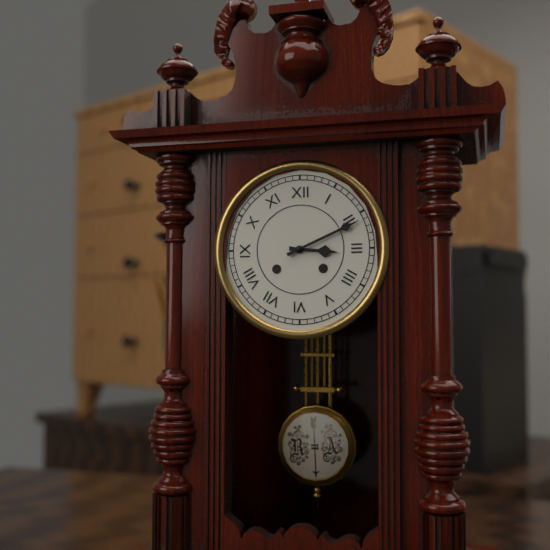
3:11
